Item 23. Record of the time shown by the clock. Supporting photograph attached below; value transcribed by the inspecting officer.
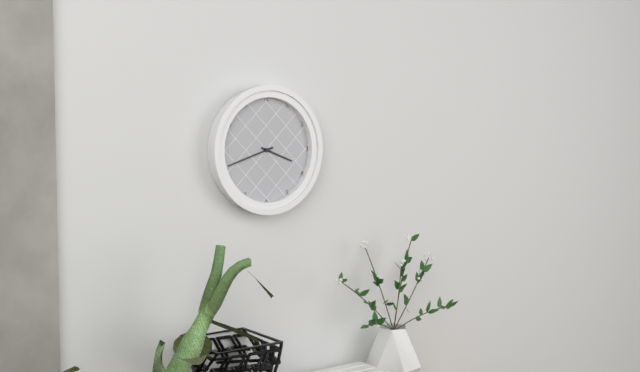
3:42
